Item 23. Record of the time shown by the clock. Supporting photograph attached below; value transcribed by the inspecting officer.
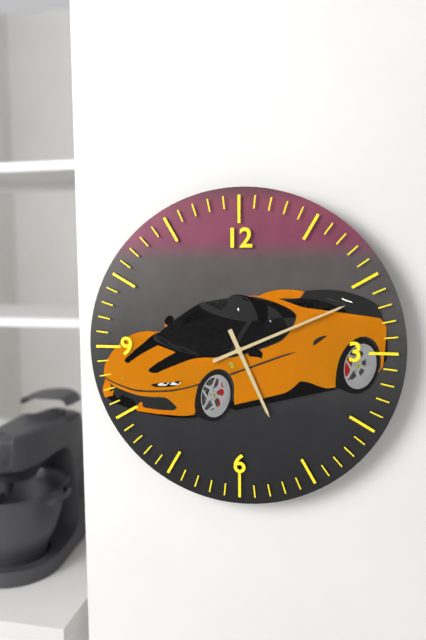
5:11
